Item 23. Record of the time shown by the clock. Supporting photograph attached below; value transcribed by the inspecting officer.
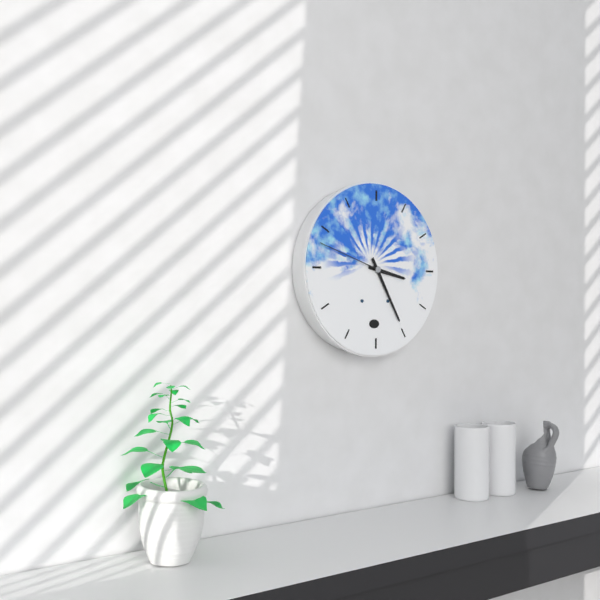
3:25:48
